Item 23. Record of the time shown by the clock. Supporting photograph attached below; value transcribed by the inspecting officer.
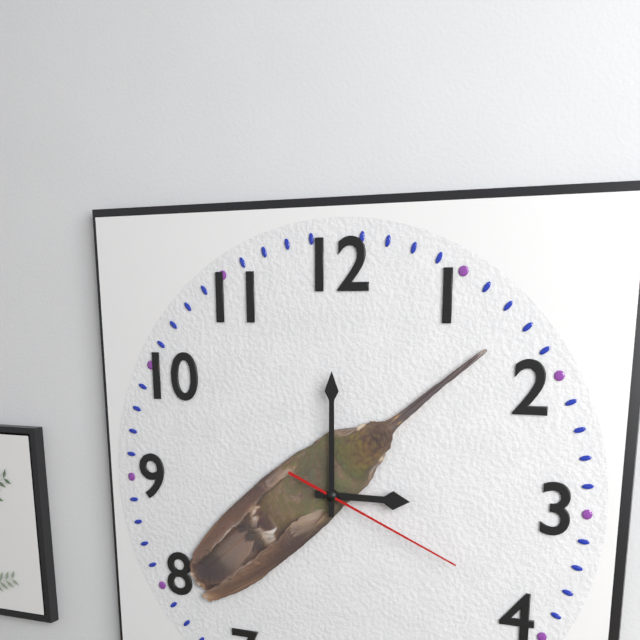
3:00:19
